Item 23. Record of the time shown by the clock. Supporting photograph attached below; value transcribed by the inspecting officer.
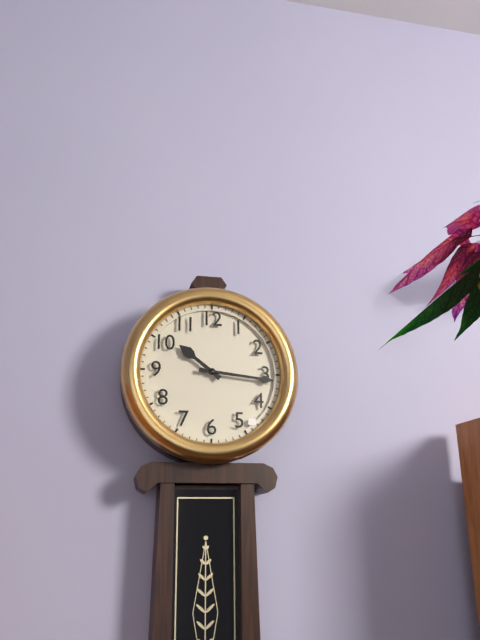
10:16
